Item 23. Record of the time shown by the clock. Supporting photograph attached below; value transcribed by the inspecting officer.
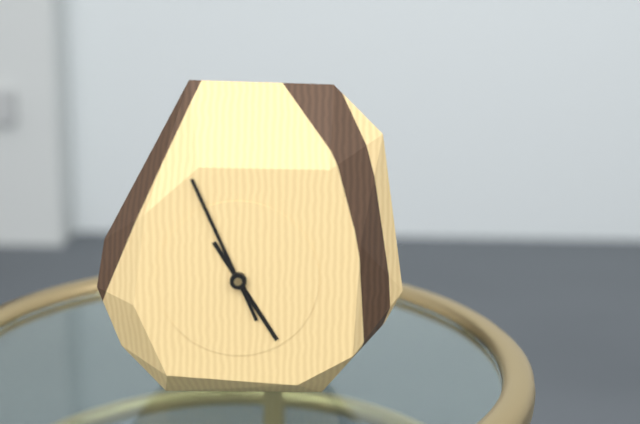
4:56
